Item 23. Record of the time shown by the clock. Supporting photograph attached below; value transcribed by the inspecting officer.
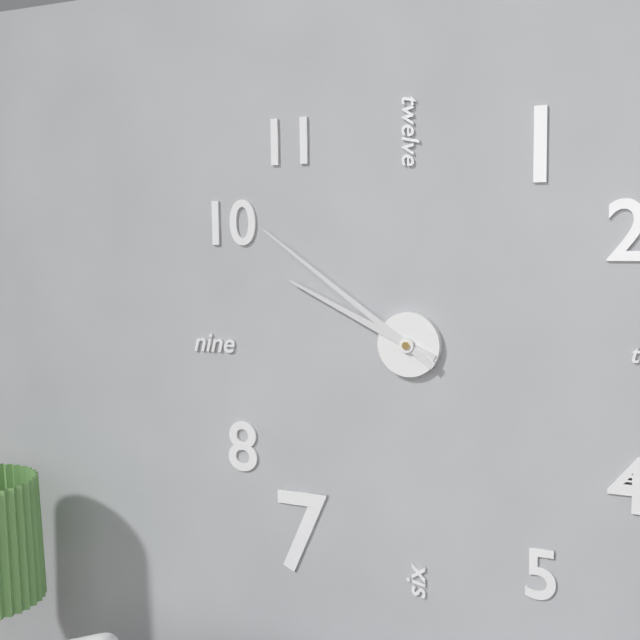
9:51
